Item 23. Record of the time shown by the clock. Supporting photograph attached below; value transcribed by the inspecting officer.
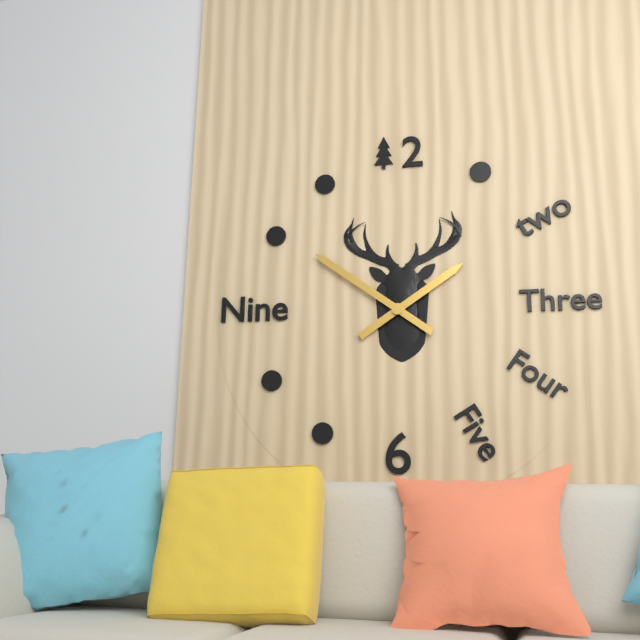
1:51
